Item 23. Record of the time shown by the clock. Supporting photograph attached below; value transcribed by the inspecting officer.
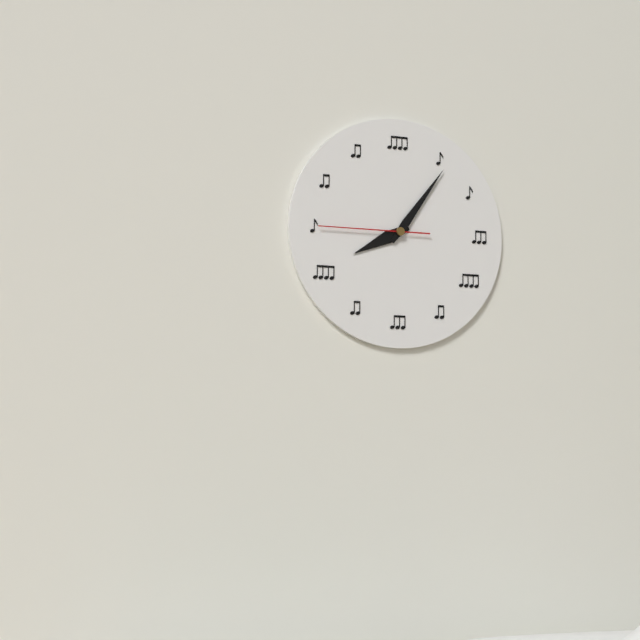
8:06:45
